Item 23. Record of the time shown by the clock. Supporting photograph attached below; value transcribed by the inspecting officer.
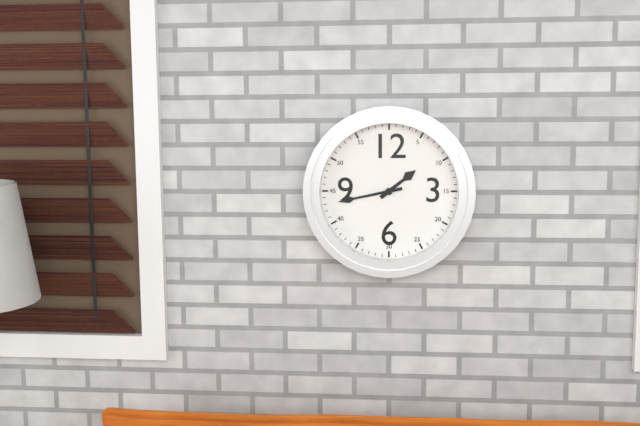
1:43
